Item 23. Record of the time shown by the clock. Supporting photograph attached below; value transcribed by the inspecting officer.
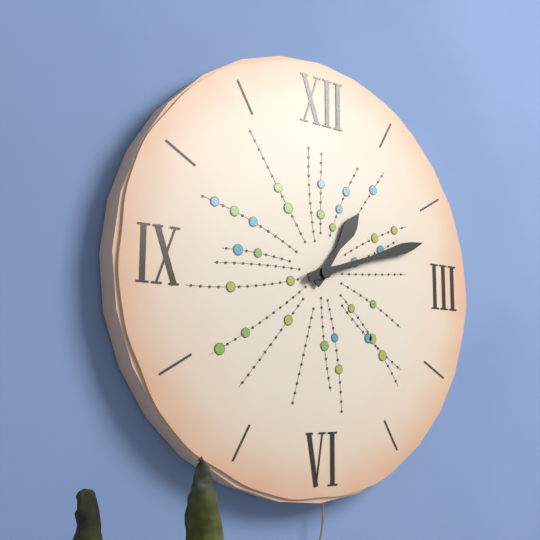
1:12
